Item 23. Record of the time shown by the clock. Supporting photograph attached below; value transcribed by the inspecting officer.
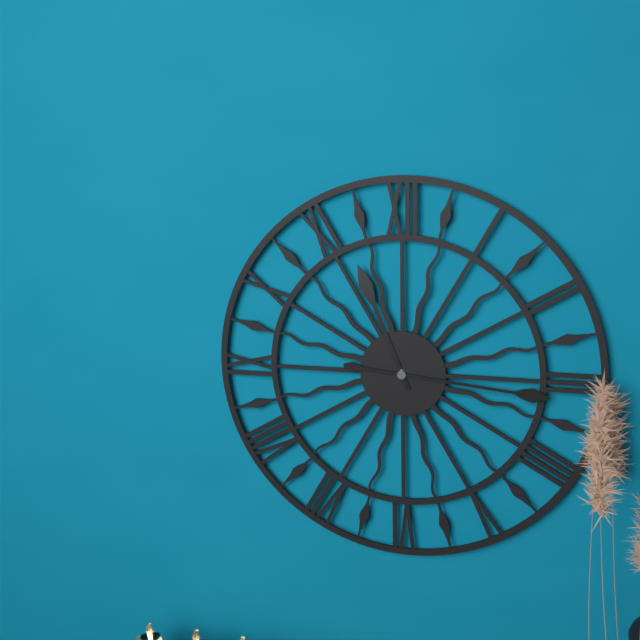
11:16
